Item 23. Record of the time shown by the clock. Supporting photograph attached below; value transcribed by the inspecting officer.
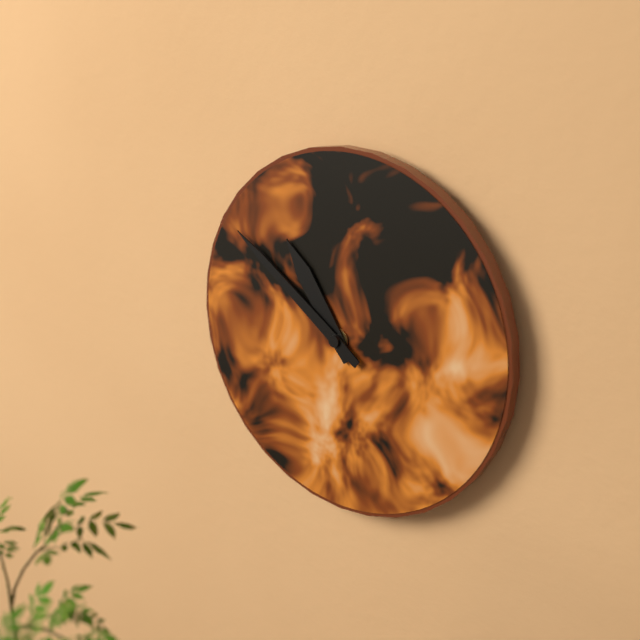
10:51
